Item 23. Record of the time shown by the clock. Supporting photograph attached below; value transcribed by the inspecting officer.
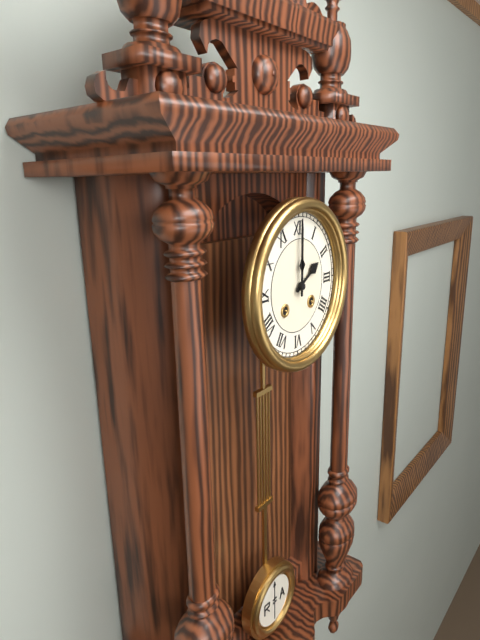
2:00
